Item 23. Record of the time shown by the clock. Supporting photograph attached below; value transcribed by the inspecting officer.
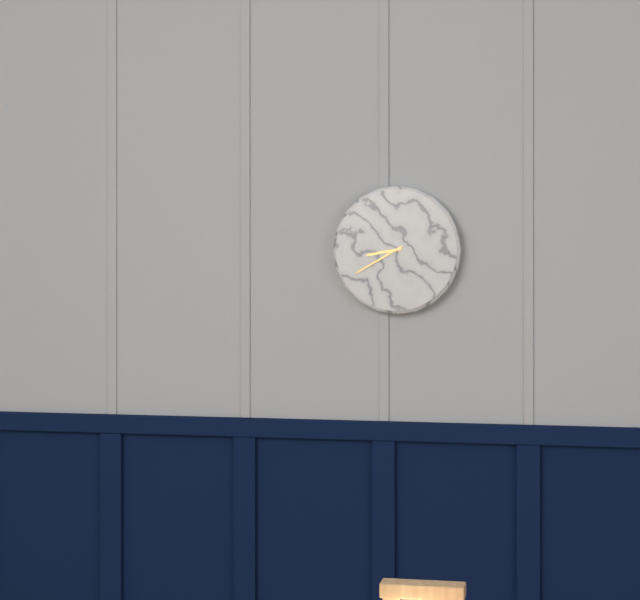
8:40
